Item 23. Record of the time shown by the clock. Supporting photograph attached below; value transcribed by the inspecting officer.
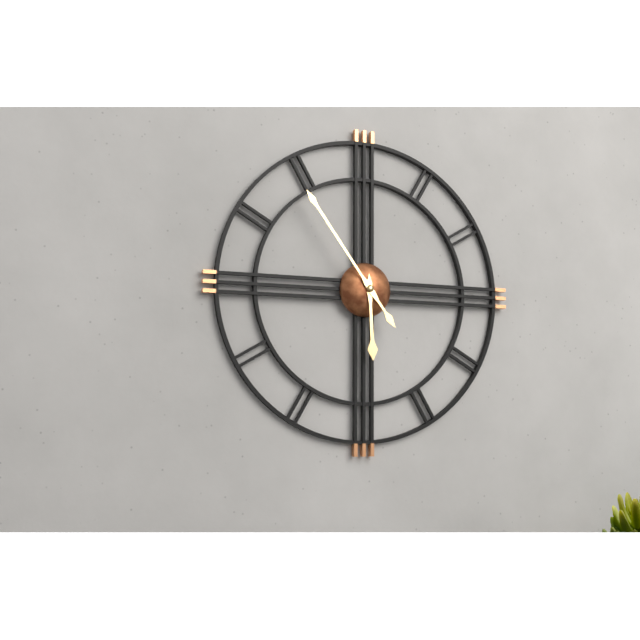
5:54
